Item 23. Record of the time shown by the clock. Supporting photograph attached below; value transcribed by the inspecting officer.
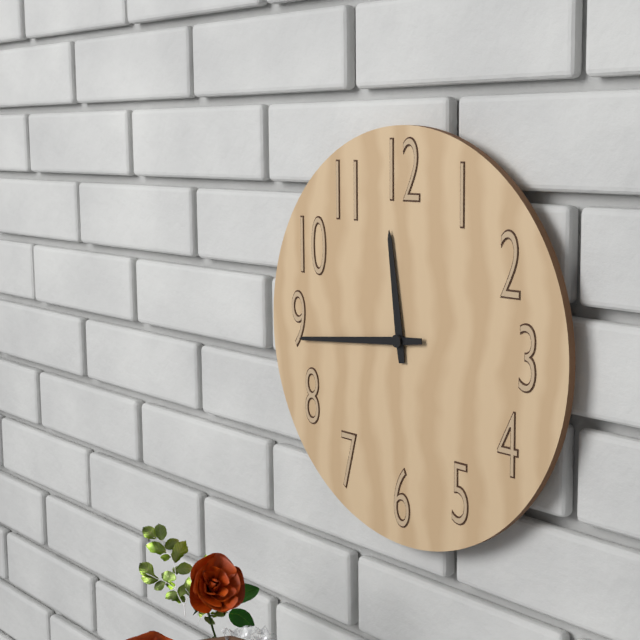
11:44
